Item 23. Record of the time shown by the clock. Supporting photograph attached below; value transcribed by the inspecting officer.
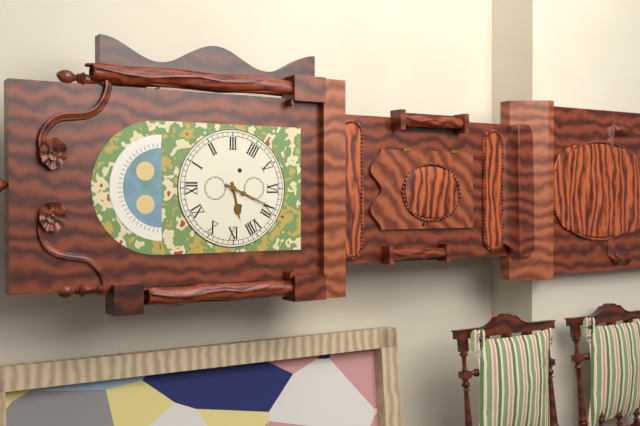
8:34
